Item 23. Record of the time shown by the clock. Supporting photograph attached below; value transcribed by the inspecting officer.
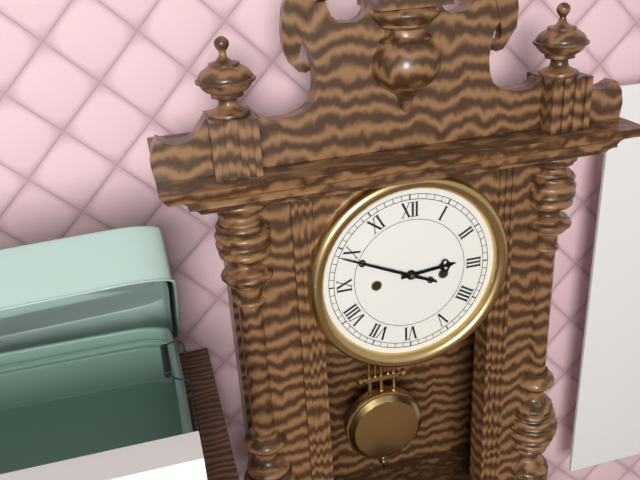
2:49
